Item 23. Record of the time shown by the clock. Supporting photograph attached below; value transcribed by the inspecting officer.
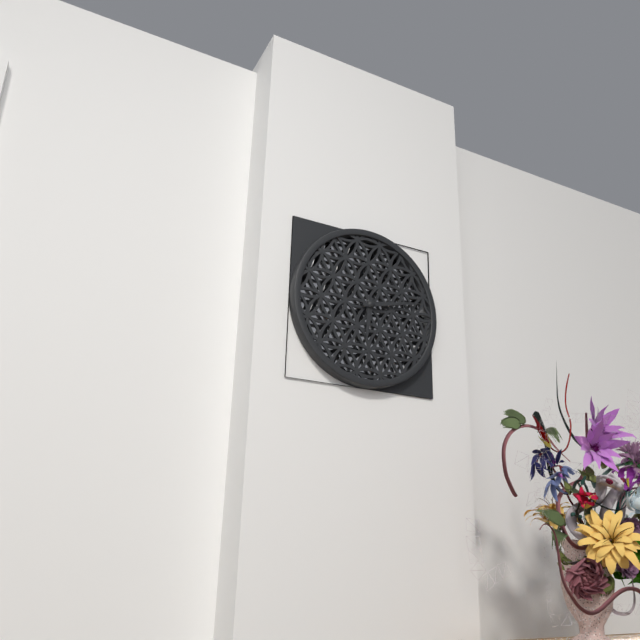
6:13
